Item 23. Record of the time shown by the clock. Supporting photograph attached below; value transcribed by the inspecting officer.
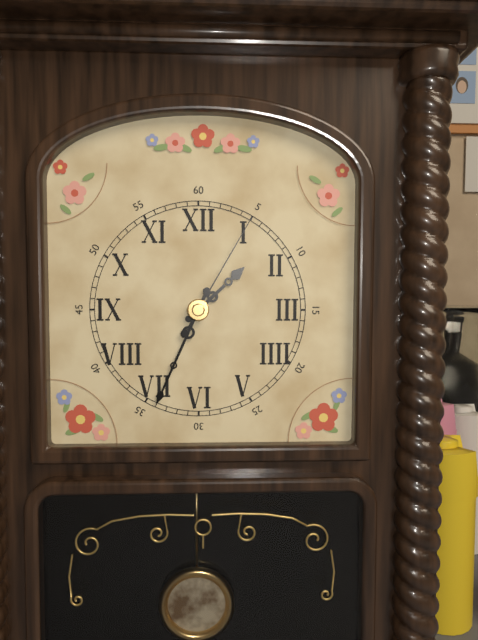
1:34:05
